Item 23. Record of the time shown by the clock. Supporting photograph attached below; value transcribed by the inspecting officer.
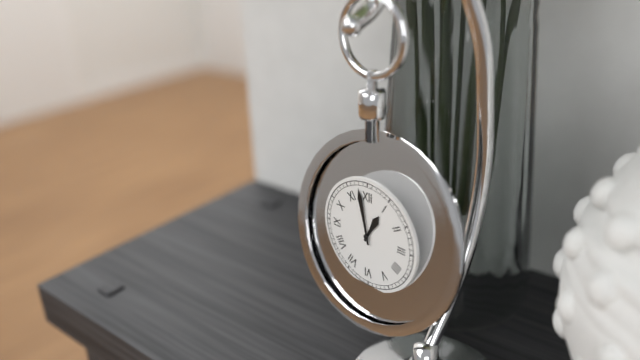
12:58
